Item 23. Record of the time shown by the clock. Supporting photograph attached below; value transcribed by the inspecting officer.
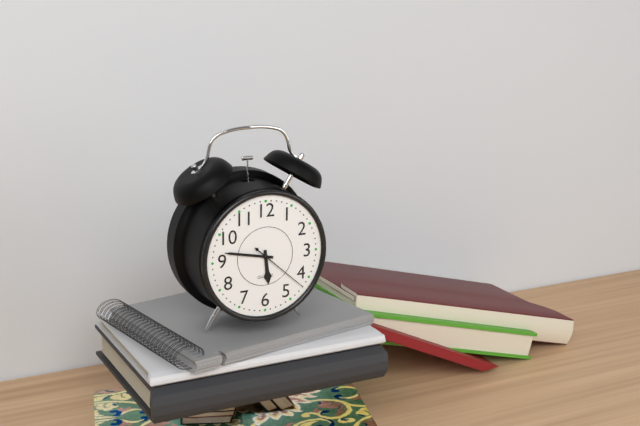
5:47:22
